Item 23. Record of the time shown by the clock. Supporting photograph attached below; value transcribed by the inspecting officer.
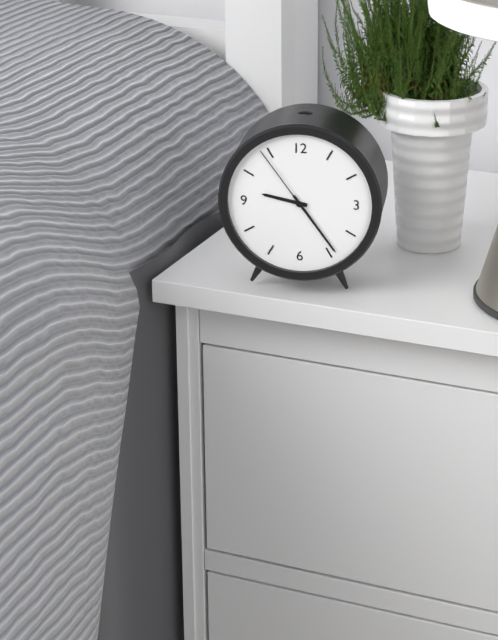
9:24:54
